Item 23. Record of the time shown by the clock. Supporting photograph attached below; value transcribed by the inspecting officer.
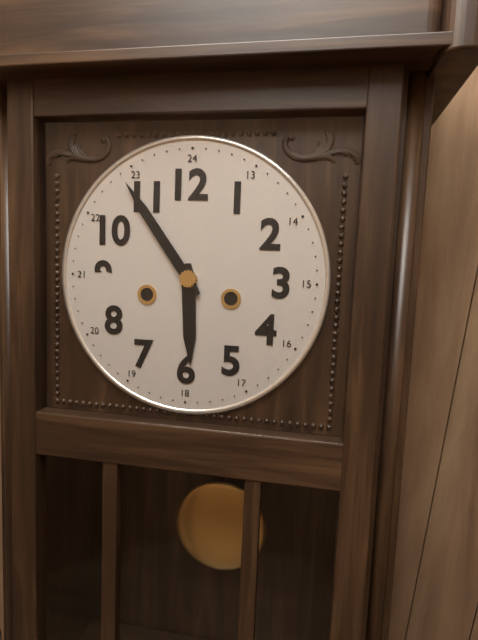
5:54
